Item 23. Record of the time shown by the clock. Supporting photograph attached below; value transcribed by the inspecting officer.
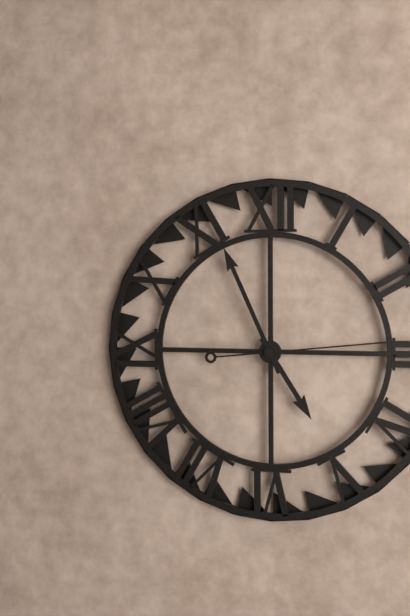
4:56:14
